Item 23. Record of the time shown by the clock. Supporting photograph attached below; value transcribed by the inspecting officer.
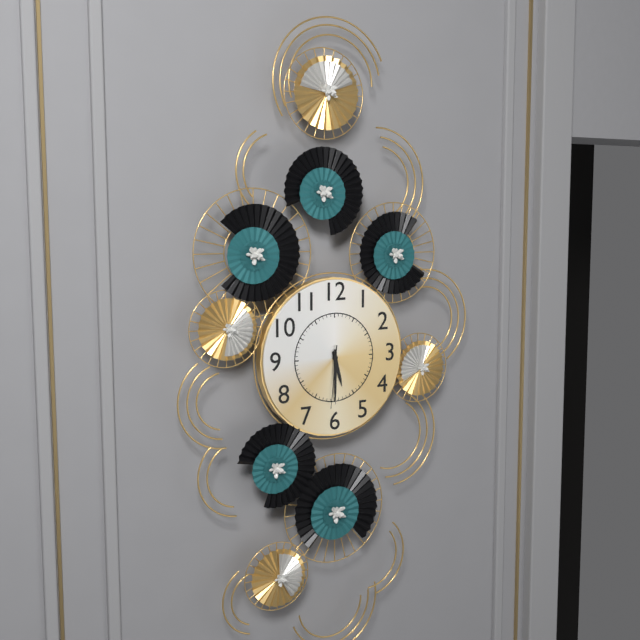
5:30:31
